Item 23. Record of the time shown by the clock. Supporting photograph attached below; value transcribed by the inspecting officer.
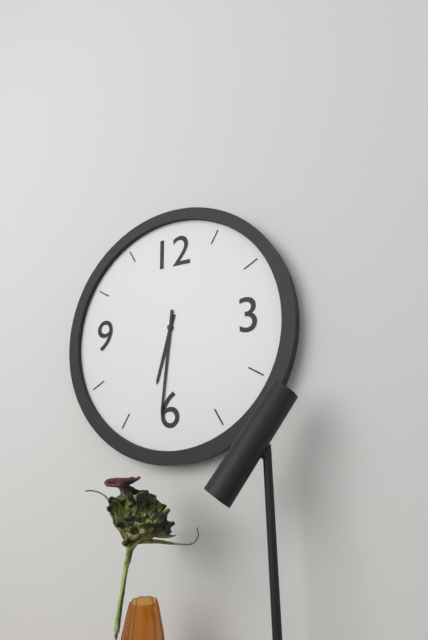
6:31
